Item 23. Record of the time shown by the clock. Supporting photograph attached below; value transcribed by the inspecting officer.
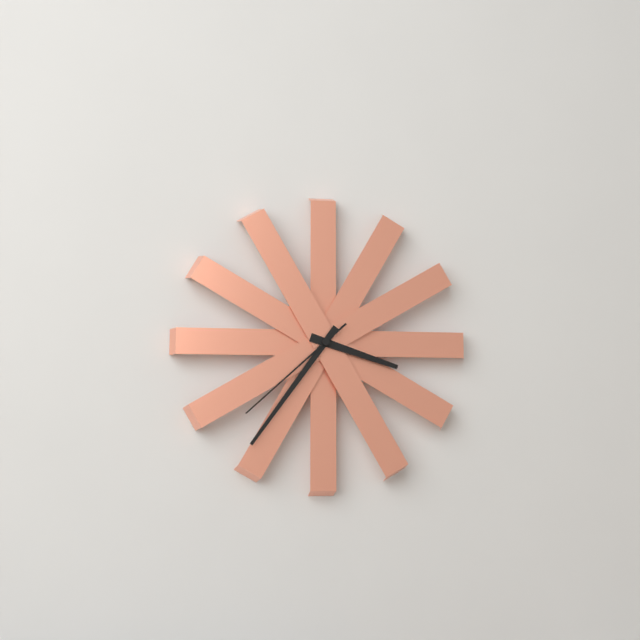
3:36:38
